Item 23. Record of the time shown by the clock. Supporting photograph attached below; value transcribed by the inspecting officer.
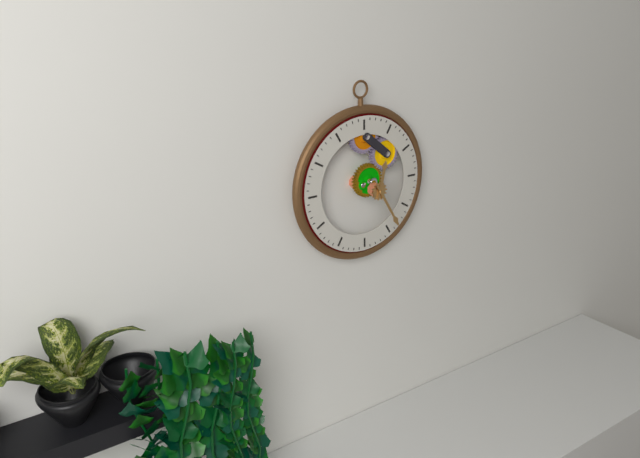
12:25
